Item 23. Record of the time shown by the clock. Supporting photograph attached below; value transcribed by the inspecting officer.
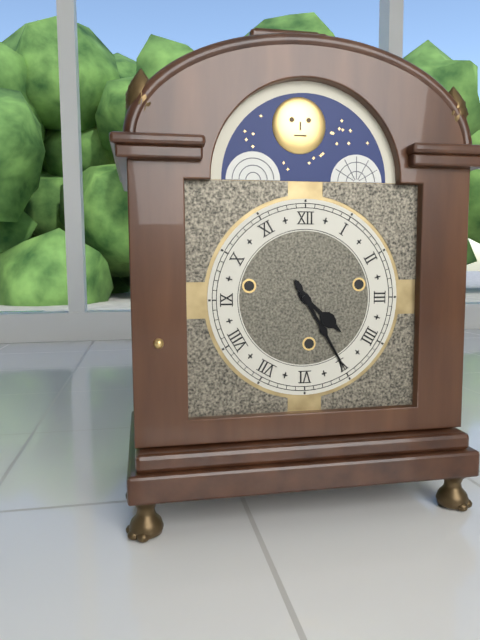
4:25
